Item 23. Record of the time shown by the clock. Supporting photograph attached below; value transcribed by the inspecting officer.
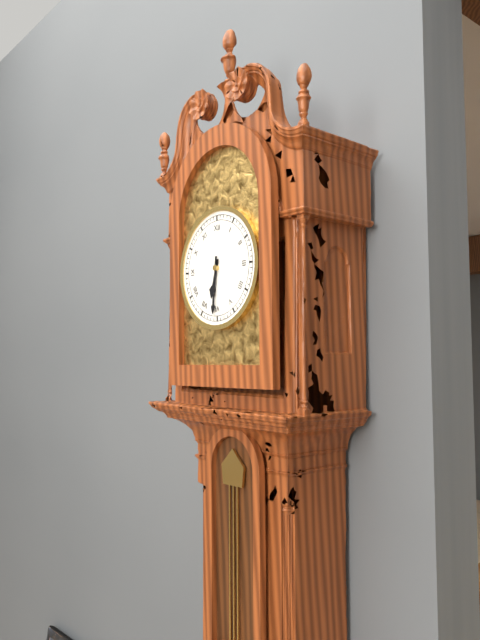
6:31
